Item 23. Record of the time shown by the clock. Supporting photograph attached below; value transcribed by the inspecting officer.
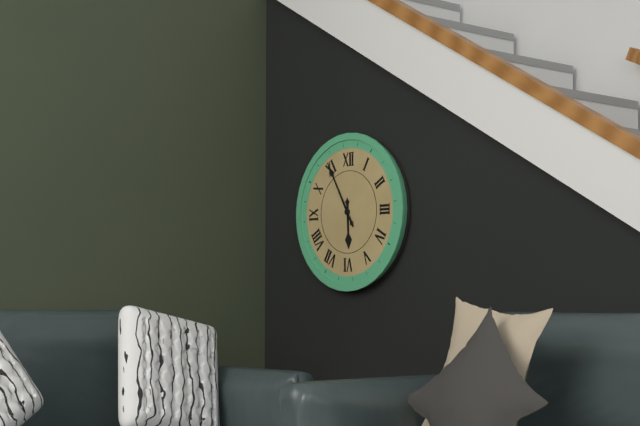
5:55
